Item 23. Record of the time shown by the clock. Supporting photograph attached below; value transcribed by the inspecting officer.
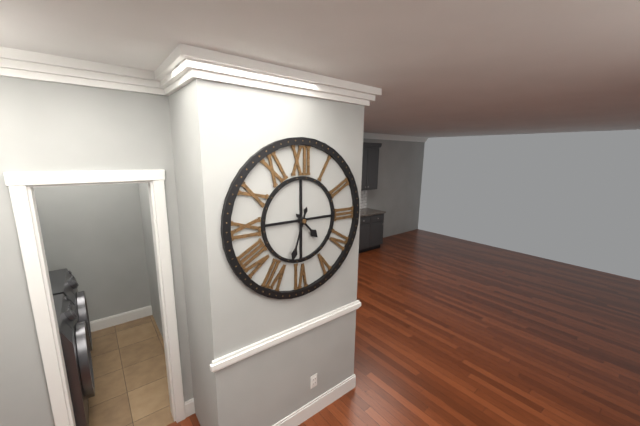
4:33
